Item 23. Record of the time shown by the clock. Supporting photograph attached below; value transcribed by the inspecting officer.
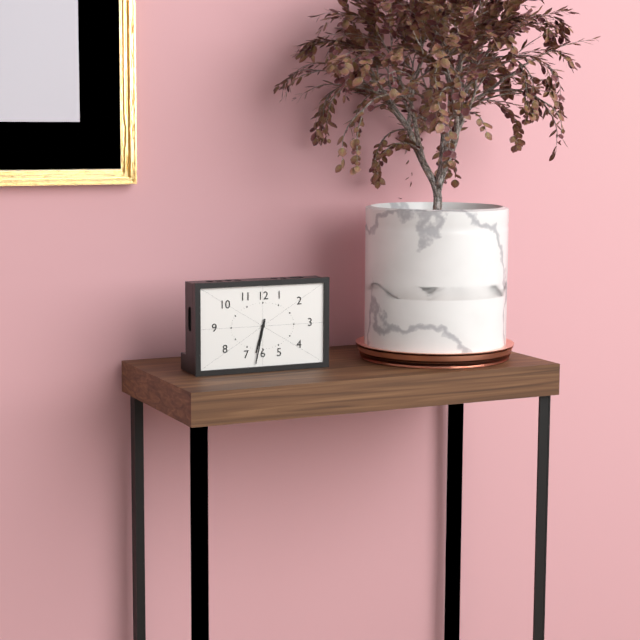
6:32
